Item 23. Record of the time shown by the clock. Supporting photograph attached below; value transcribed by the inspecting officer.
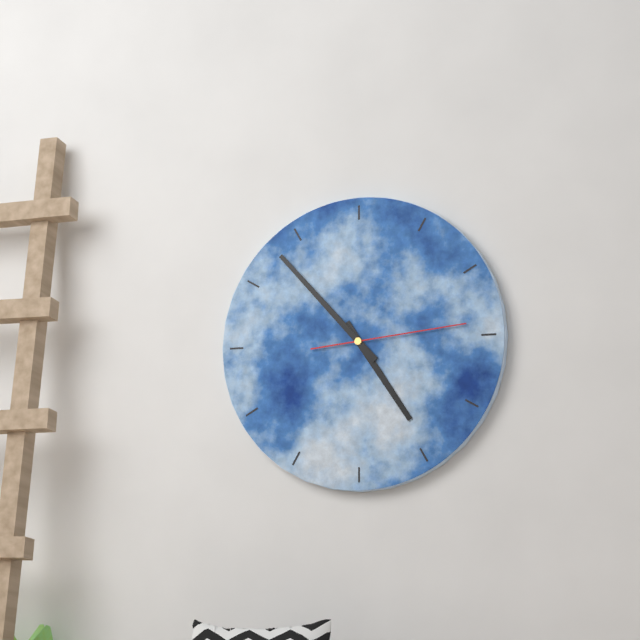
4:53:14
